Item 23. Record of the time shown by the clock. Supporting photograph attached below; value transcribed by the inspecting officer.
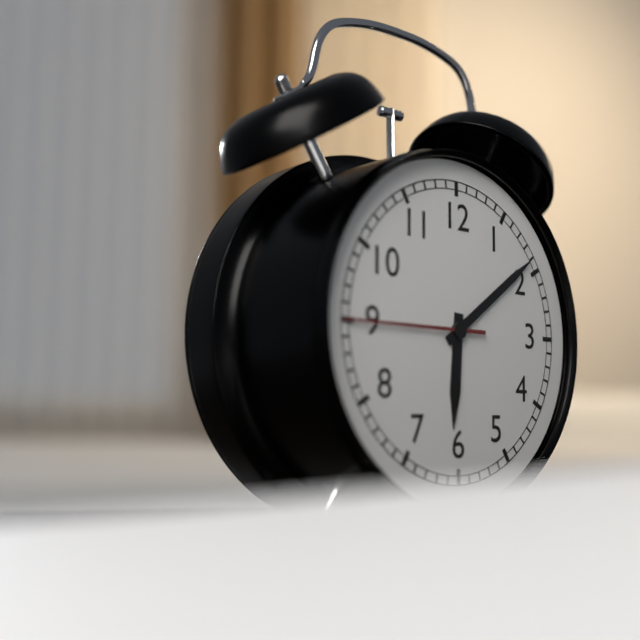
6:09:45
